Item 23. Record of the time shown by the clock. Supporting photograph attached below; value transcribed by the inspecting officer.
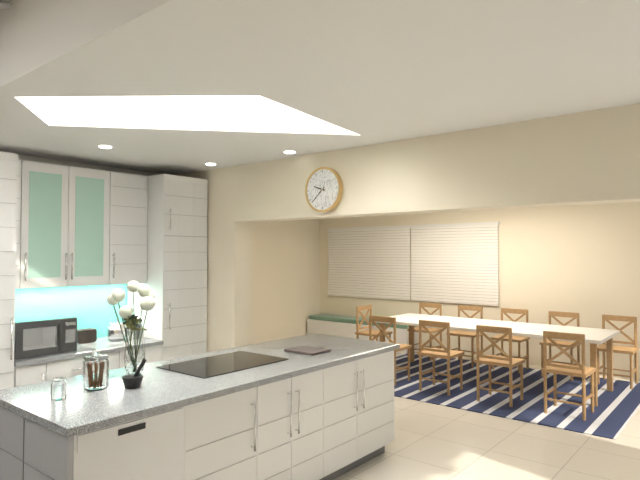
9:38
